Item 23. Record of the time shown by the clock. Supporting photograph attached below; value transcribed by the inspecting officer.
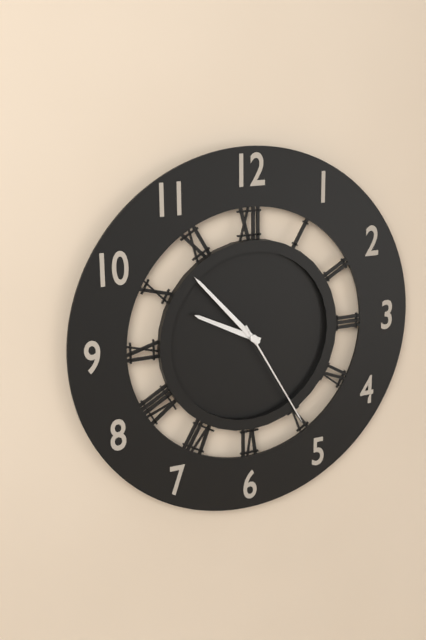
9:53:25
